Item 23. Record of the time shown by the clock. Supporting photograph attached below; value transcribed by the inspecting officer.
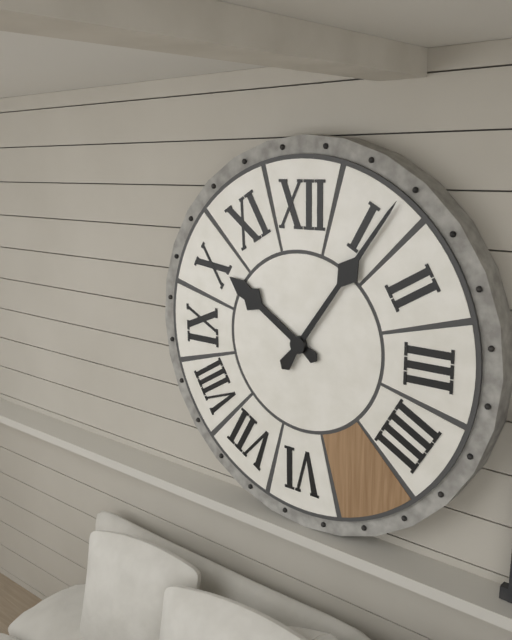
10:06
